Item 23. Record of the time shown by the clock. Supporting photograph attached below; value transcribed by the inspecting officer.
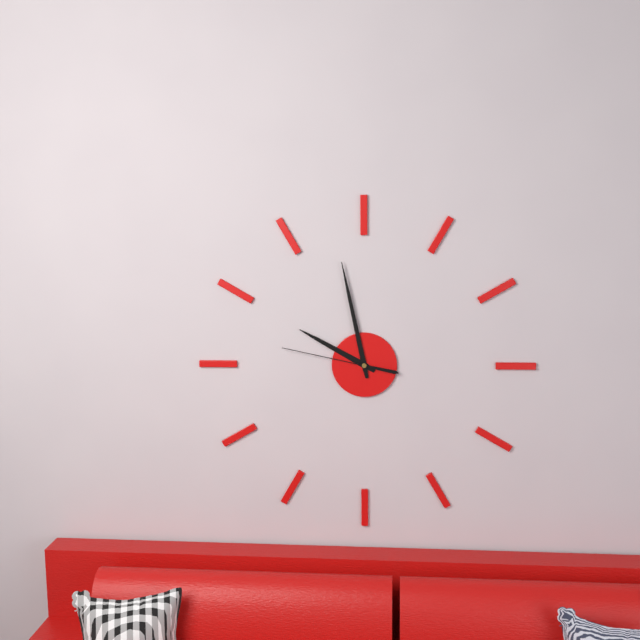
9:58:47
